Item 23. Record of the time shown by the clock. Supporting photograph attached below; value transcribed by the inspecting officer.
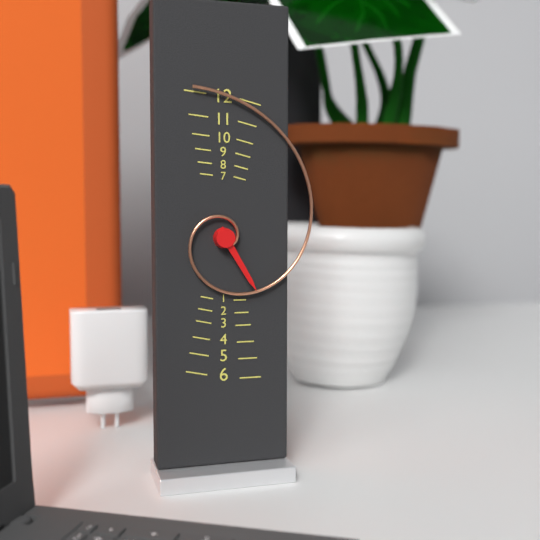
4:58
